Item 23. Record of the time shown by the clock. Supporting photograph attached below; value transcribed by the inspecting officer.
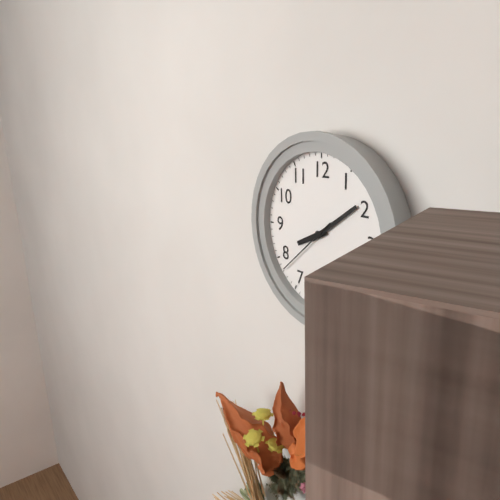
8:09:38
